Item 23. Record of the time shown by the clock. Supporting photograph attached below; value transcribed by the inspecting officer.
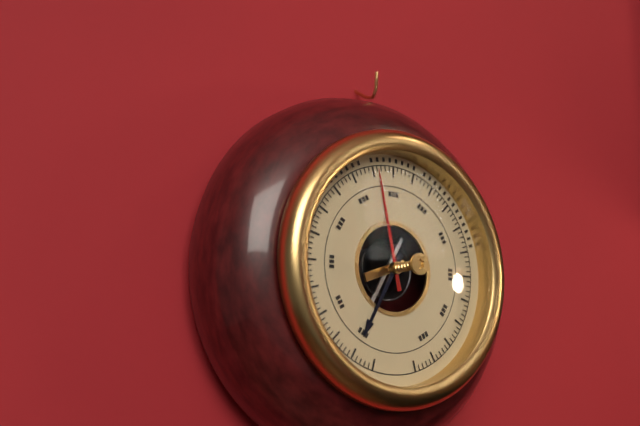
6:58
